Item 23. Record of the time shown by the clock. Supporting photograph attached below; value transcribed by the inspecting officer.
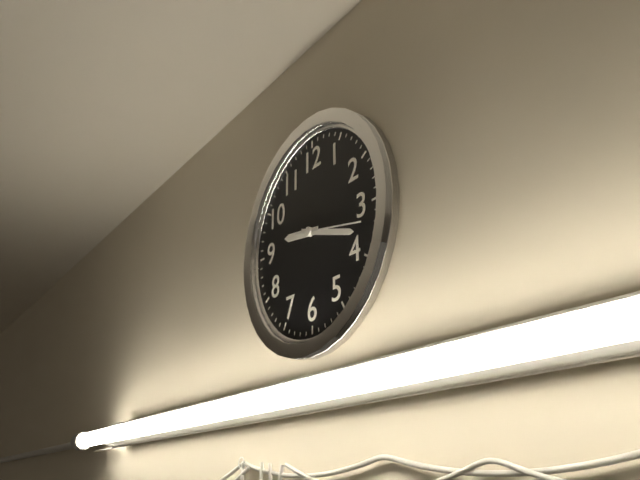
9:18:17
